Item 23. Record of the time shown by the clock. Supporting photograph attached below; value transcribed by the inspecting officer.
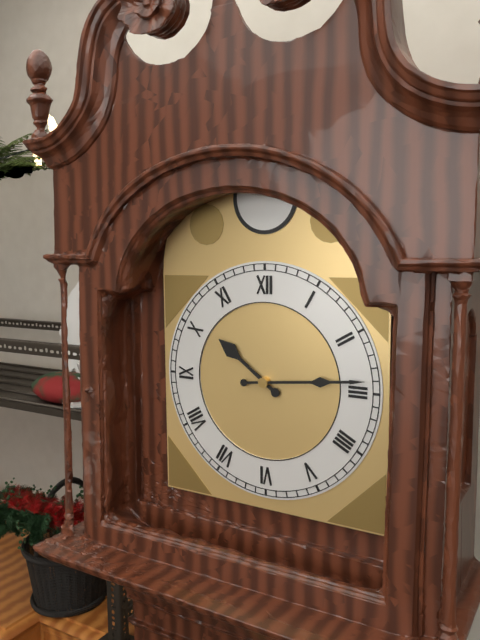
10:14
